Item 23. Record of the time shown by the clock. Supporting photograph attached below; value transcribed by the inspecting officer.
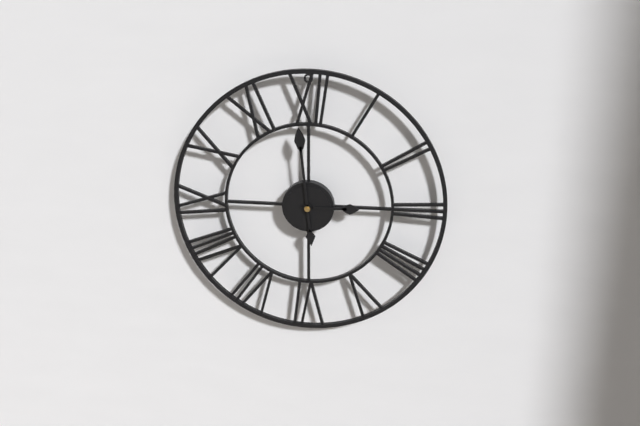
2:59
